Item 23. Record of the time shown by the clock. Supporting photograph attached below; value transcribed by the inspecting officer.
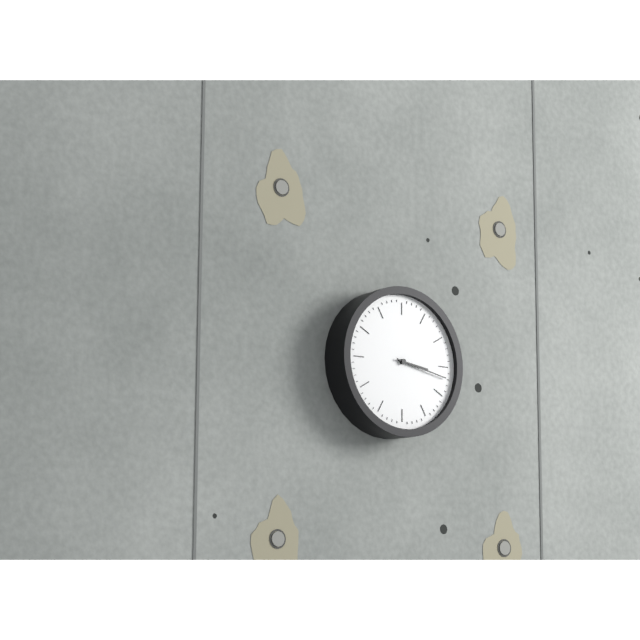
3:17
